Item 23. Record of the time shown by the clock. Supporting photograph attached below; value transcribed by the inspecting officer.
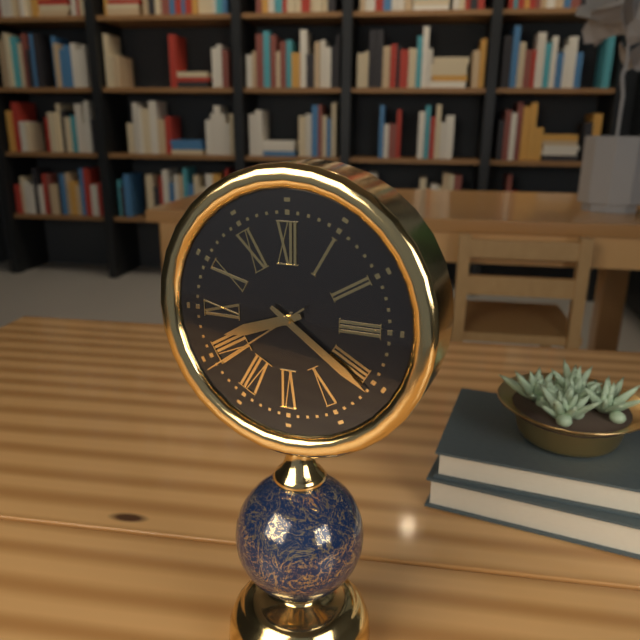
8:21:39
